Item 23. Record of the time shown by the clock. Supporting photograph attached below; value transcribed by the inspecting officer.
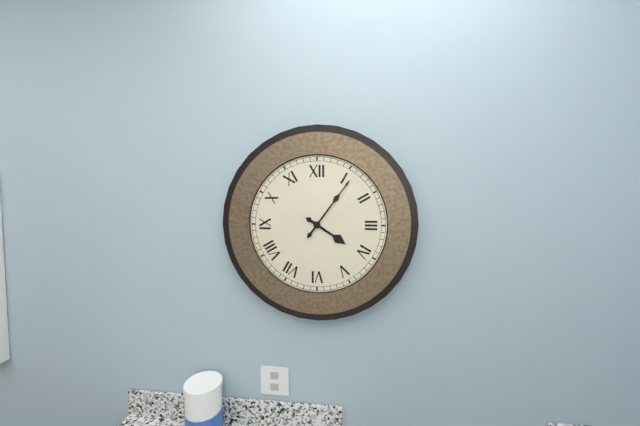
4:06
